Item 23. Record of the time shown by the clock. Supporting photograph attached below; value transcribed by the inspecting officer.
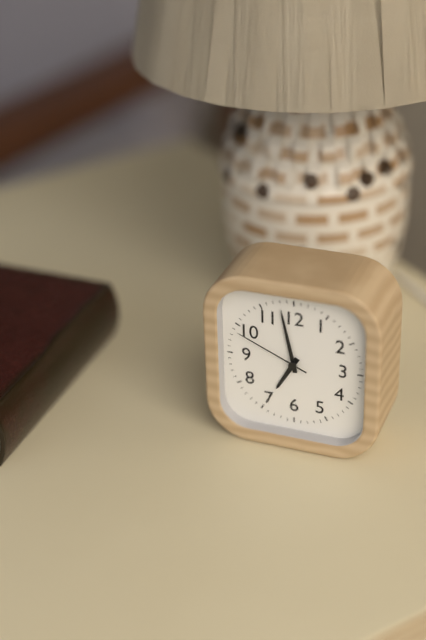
6:58:49
